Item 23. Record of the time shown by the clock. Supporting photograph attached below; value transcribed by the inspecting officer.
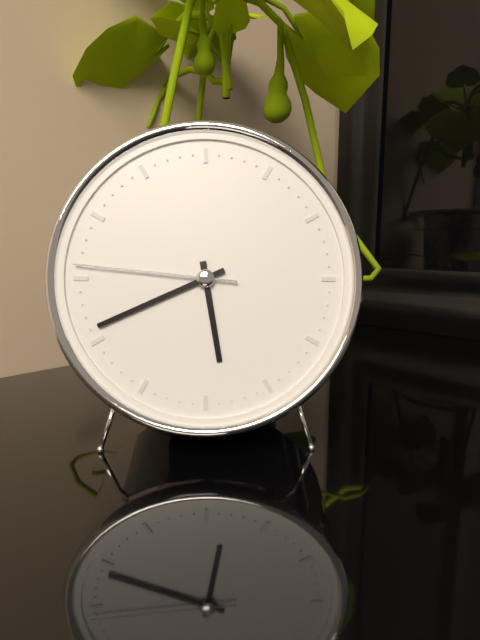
5:41:46
